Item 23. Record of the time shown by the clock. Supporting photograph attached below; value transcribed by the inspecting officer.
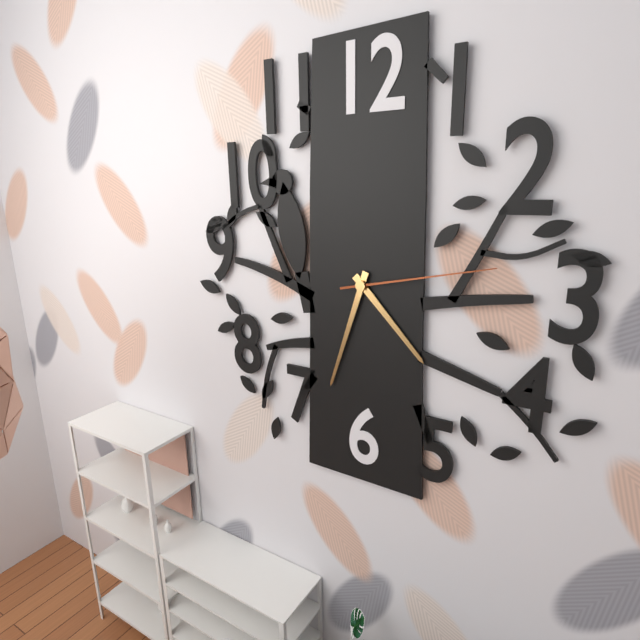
4:33:13
